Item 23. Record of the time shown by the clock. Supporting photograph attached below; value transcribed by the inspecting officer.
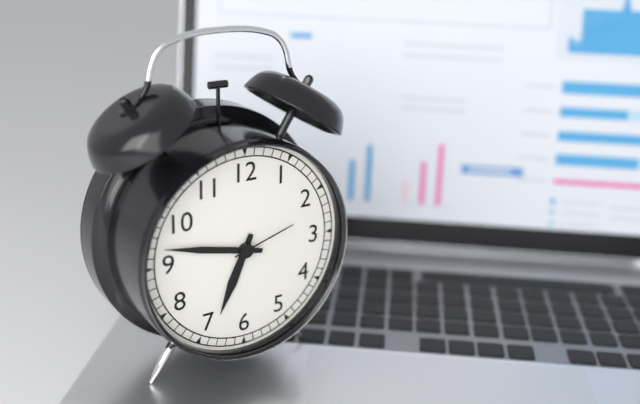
6:47:12
